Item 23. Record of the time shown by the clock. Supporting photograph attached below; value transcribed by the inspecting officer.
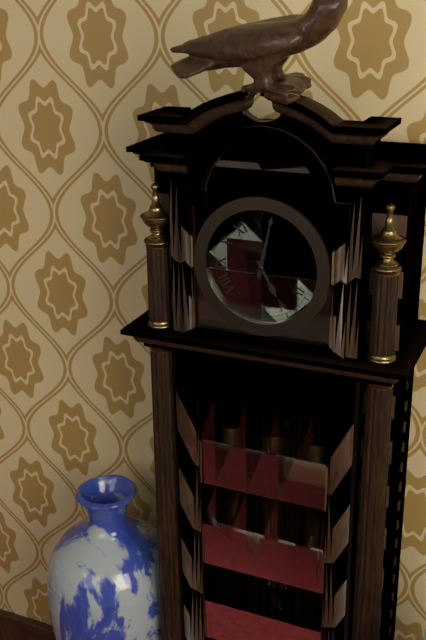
5:02
